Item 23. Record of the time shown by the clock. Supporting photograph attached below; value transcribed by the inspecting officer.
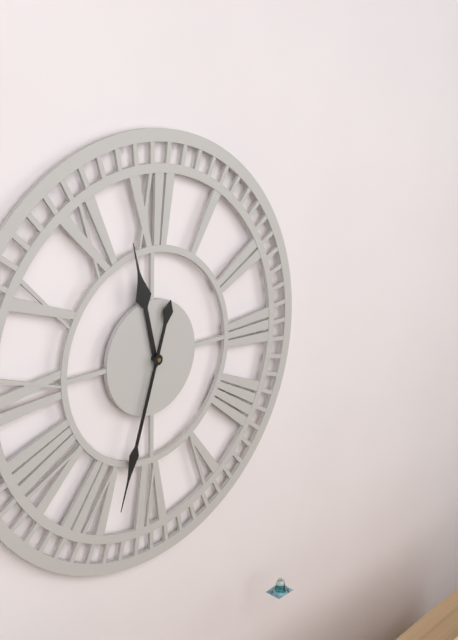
11:33
